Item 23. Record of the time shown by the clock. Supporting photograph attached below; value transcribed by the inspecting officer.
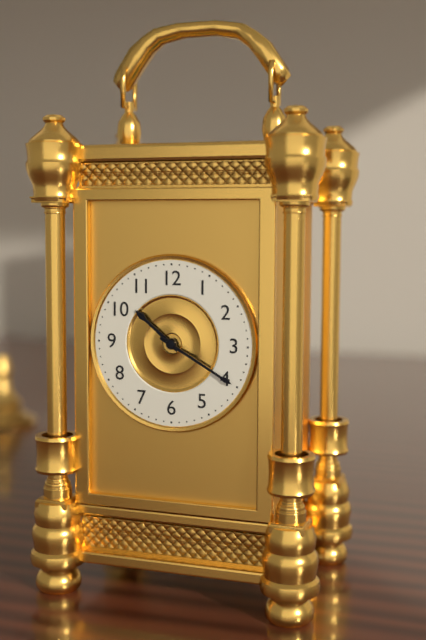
10:20
